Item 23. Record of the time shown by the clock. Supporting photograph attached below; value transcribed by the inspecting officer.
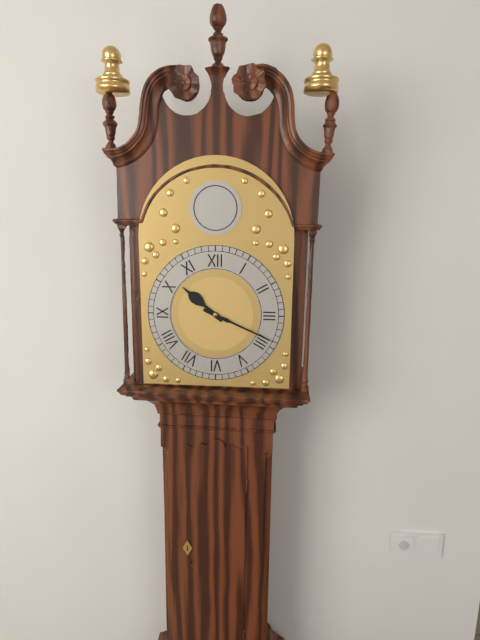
10:19
